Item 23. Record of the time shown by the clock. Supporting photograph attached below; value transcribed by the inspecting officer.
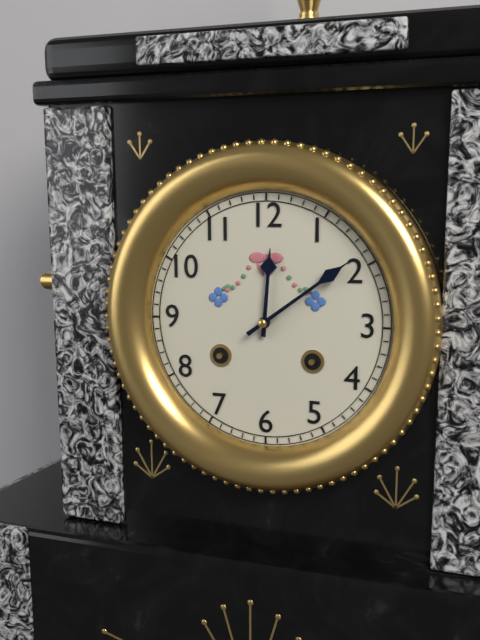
12:09
